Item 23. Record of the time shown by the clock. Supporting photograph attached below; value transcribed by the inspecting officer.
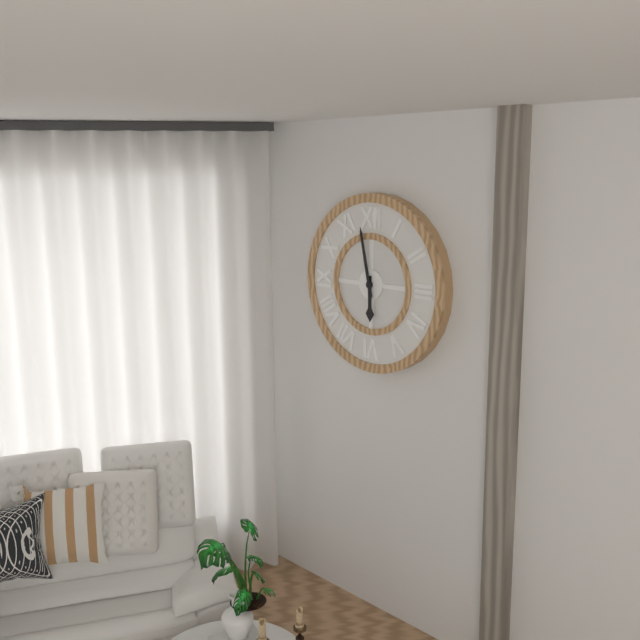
5:58
